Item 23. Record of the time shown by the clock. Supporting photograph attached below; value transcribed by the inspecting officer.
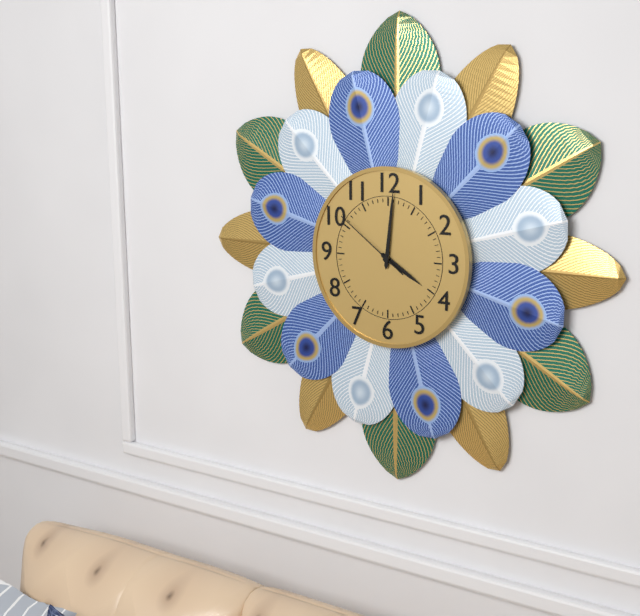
4:01:51
